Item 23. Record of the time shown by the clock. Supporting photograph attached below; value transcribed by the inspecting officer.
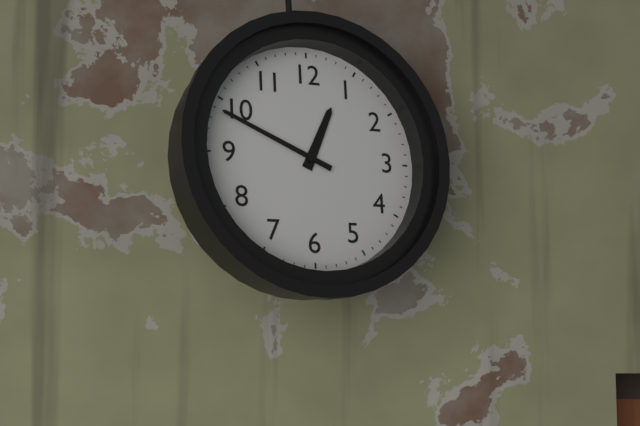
12:49
